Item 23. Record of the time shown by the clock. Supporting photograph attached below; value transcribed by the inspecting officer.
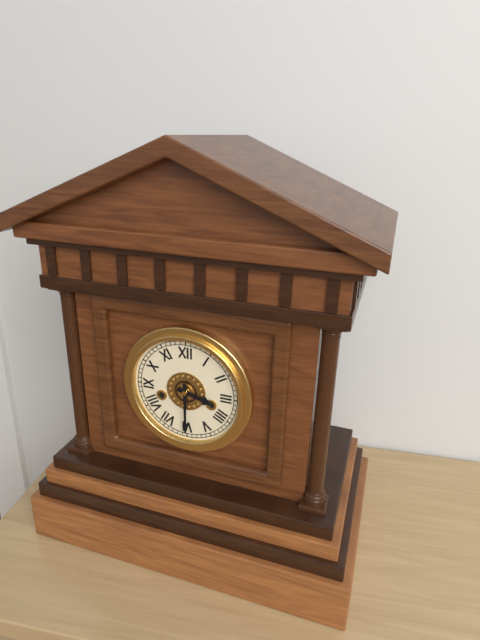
3:30
